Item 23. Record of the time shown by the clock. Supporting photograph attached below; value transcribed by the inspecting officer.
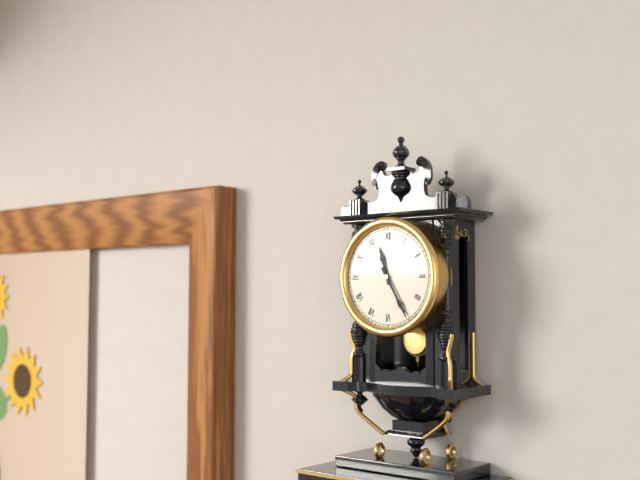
11:25
